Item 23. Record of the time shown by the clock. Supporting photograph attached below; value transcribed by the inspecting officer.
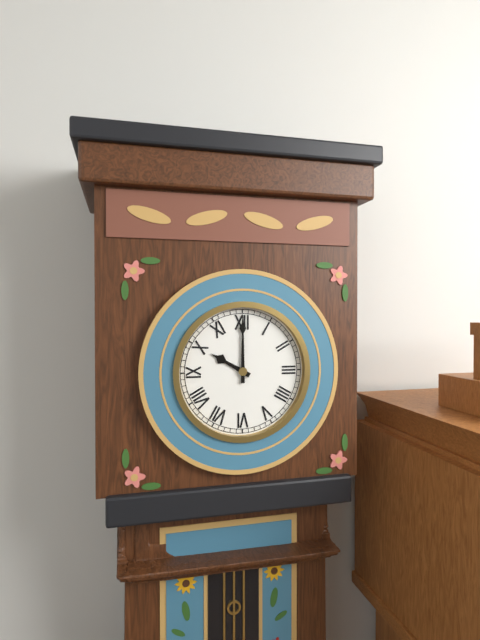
10:00
